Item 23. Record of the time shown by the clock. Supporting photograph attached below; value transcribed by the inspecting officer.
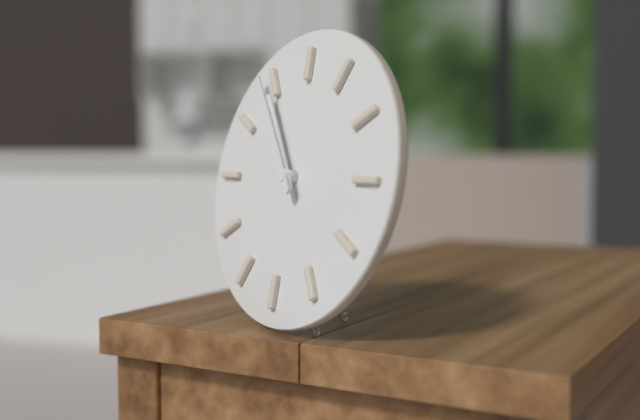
10:54
